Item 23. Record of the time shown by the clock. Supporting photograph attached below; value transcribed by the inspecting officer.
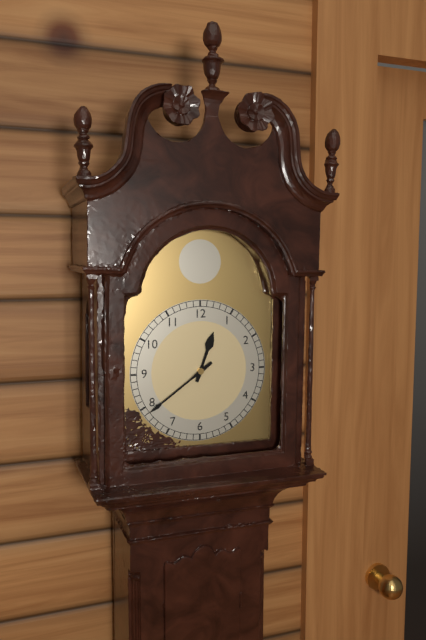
12:39
